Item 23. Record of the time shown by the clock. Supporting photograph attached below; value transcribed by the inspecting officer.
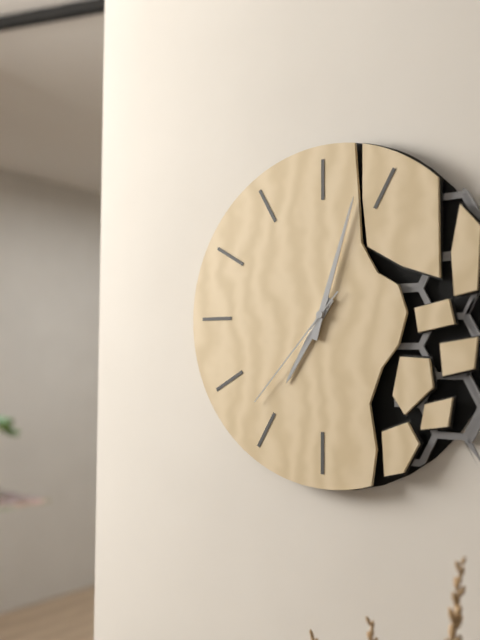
7:03:37
